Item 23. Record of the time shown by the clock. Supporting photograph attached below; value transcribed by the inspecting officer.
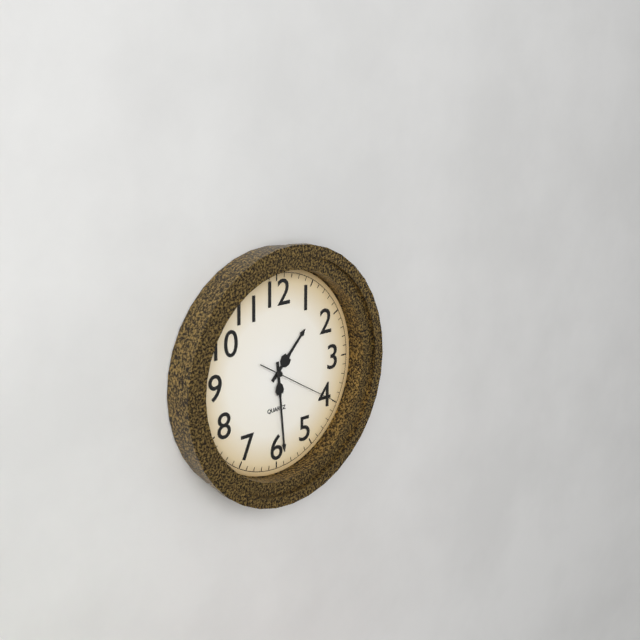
1:29:20
